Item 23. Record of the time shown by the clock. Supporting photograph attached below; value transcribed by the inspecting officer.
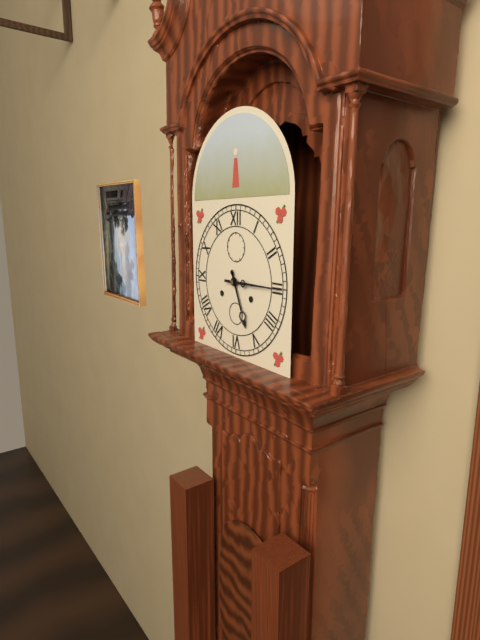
5:15
